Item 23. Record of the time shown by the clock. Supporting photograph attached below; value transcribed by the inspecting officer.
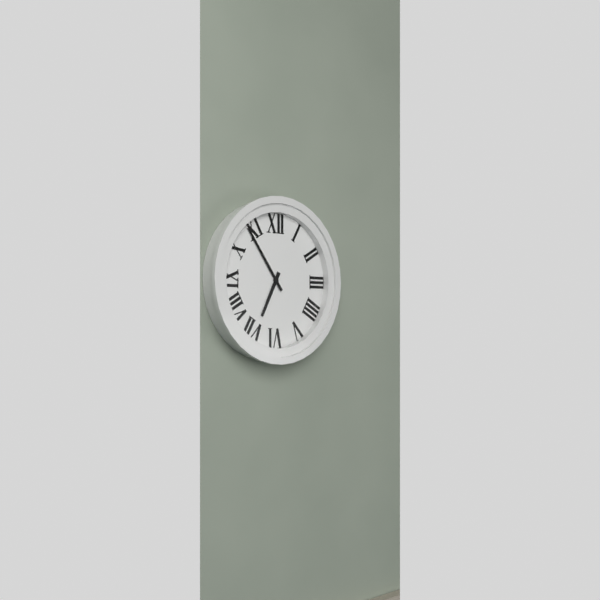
6:54
